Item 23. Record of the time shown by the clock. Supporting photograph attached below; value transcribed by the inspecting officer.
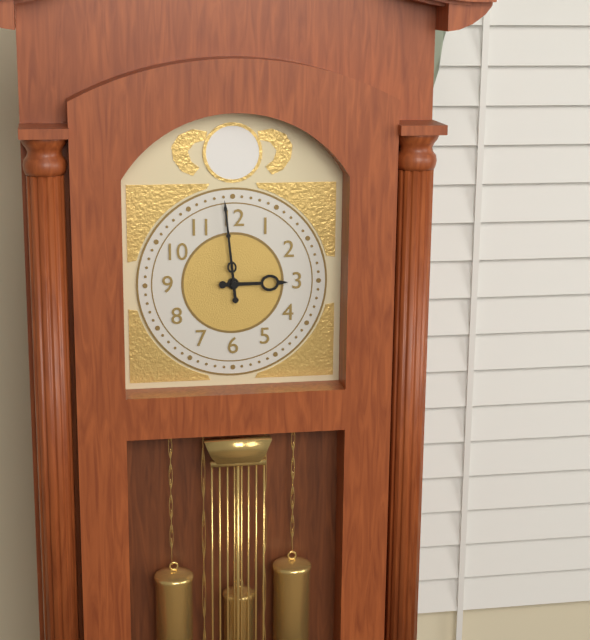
2:59
